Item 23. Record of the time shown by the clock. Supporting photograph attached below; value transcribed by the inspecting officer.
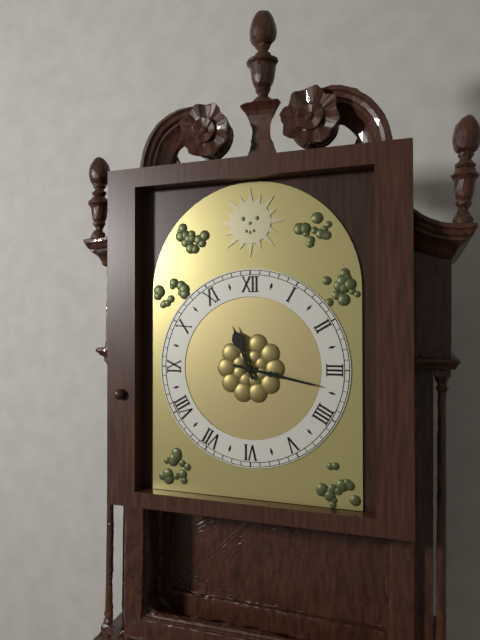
11:17
